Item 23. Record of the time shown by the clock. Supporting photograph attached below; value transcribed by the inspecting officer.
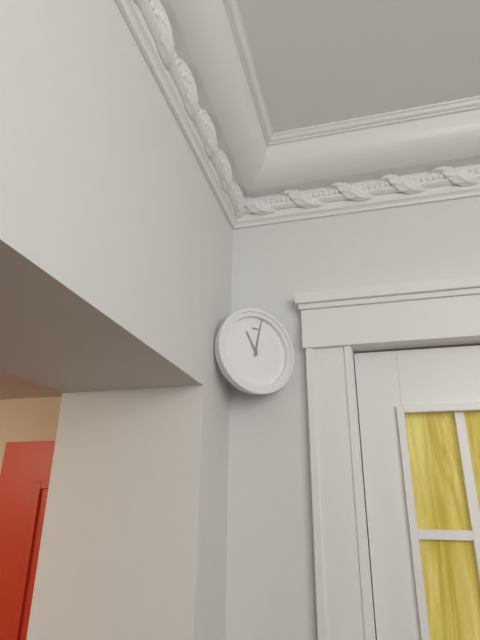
11:02
